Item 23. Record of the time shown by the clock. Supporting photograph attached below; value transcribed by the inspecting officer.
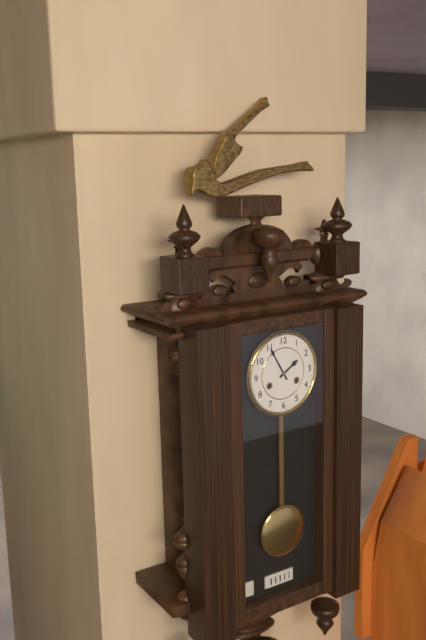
1:55
